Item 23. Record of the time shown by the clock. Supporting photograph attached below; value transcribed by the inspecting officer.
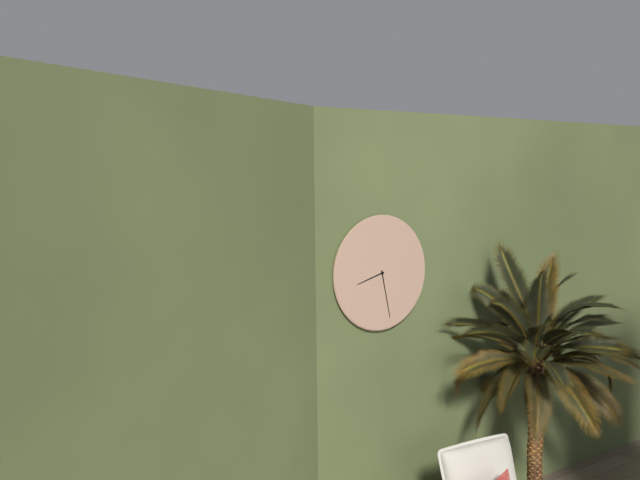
8:28
